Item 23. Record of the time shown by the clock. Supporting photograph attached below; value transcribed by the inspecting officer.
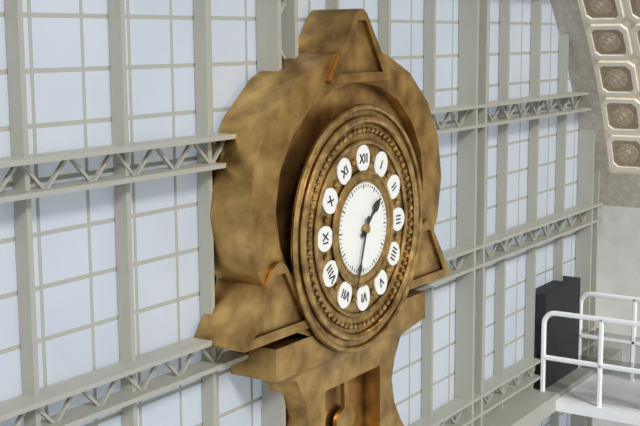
1:33
